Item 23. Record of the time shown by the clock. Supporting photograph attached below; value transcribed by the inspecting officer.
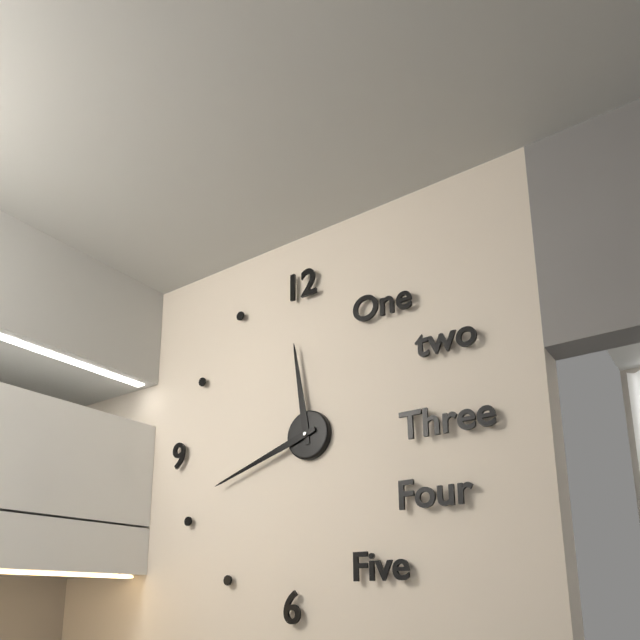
11:42
